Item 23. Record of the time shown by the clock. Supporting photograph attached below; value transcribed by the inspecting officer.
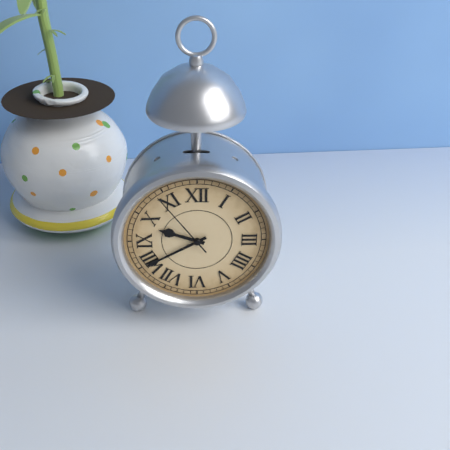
9:40:54
